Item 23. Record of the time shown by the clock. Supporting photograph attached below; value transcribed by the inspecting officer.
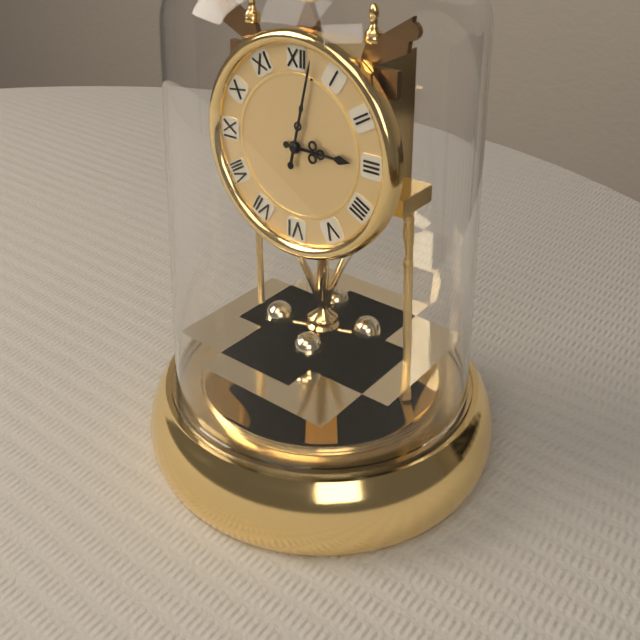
3:02
